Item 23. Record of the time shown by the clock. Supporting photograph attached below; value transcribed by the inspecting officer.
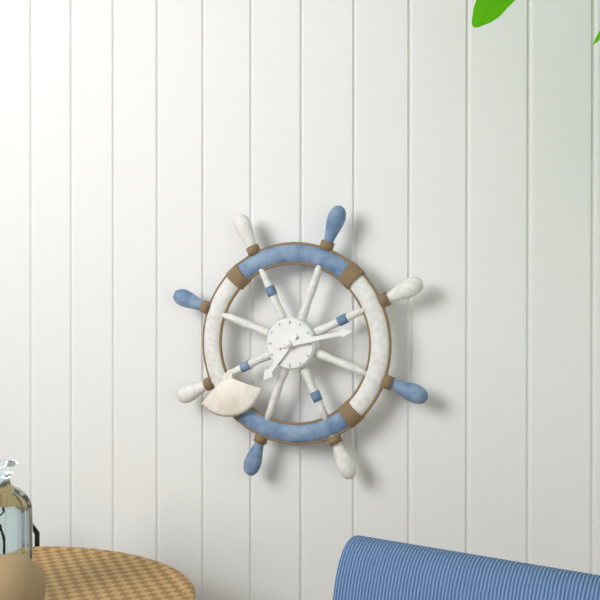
7:13
